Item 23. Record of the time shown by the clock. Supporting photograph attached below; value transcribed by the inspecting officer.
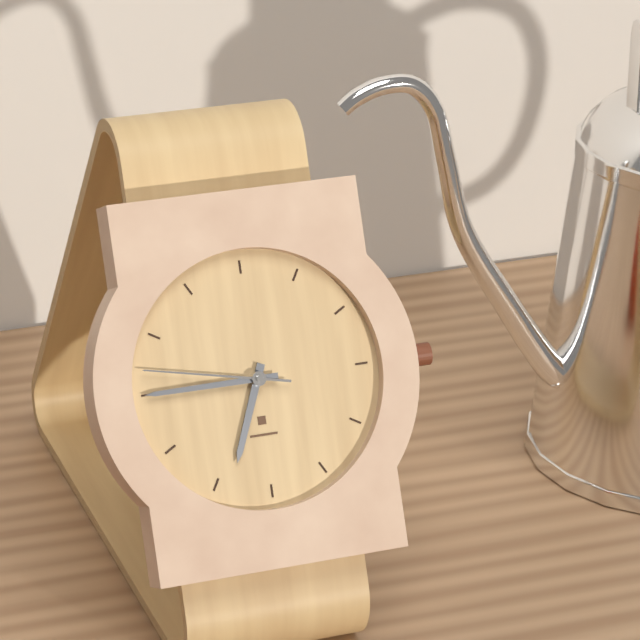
6:45:47
